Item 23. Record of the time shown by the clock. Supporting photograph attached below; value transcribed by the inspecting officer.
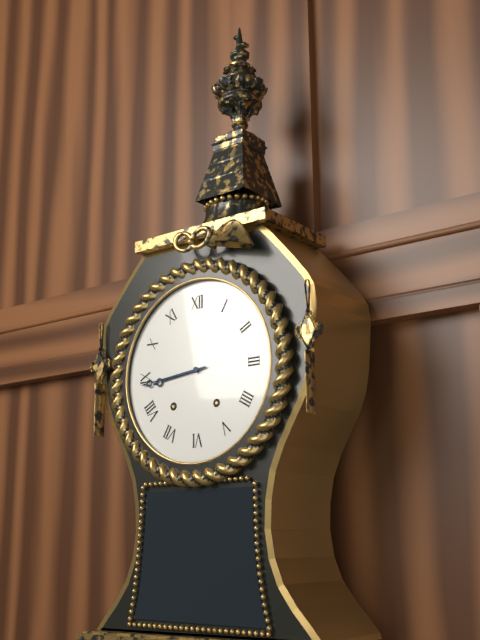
8:44
